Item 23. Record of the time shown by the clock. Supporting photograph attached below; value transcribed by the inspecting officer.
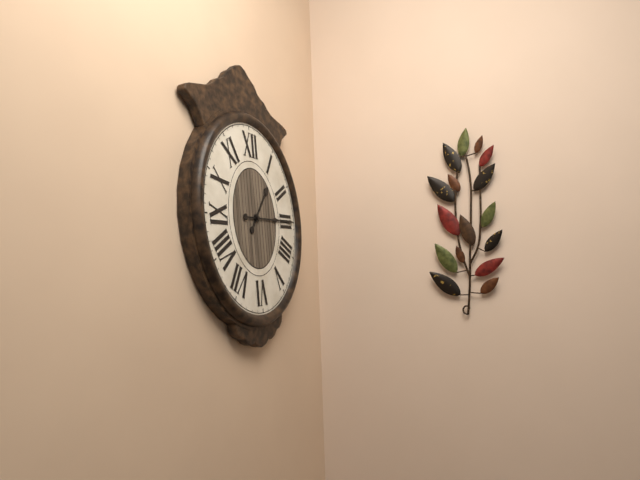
1:15
